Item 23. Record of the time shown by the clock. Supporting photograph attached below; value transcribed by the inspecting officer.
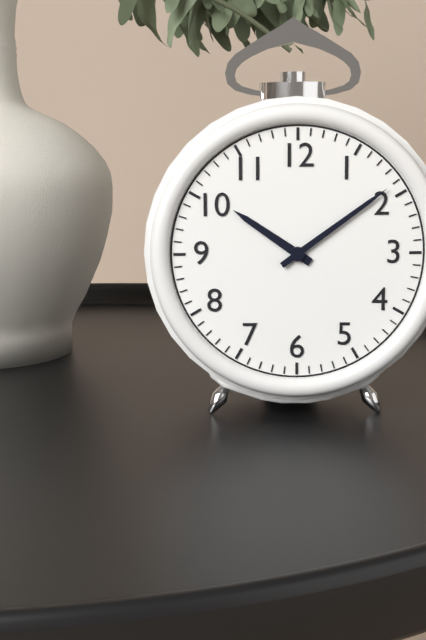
10:09
